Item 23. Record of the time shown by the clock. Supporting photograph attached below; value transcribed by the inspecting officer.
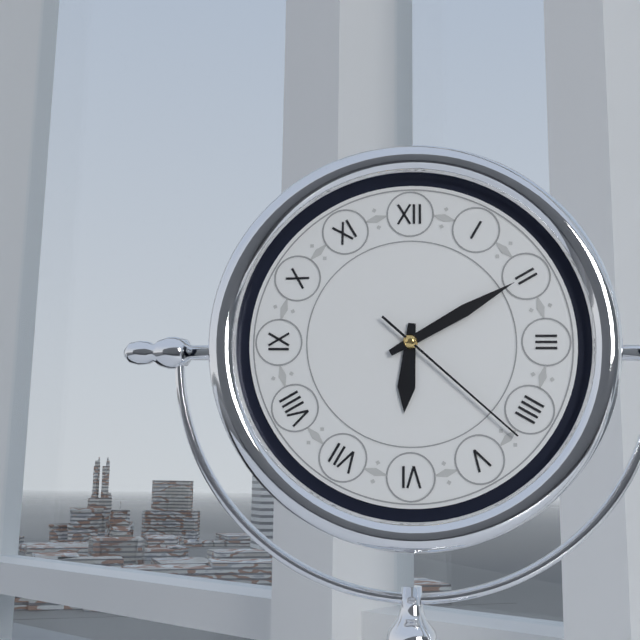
6:10:22
